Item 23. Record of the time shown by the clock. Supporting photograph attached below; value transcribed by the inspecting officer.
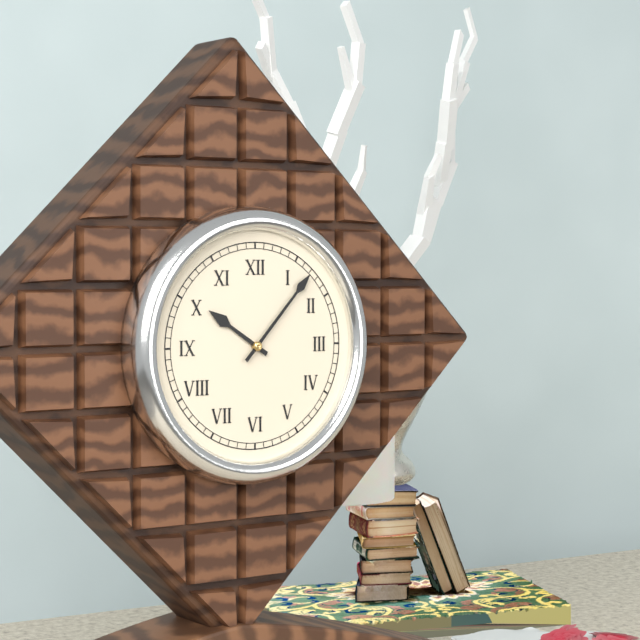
10:07
